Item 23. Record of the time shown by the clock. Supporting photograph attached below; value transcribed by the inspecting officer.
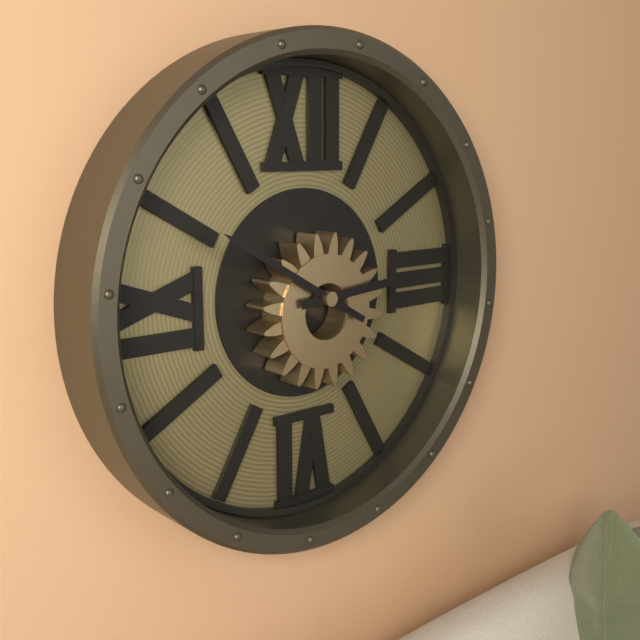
2:50
